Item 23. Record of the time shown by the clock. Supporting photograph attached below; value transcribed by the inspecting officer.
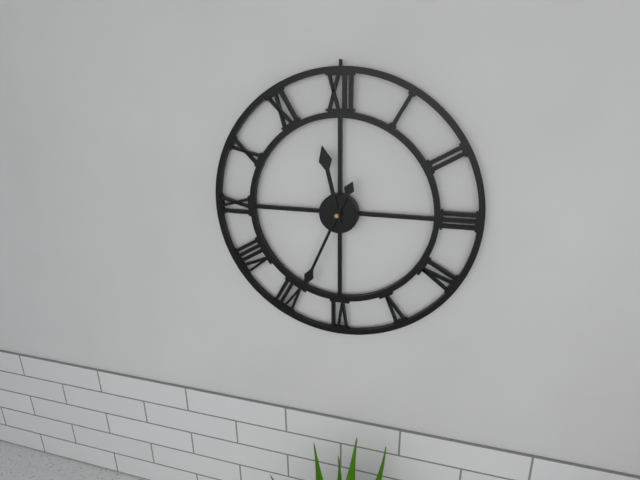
11:34
